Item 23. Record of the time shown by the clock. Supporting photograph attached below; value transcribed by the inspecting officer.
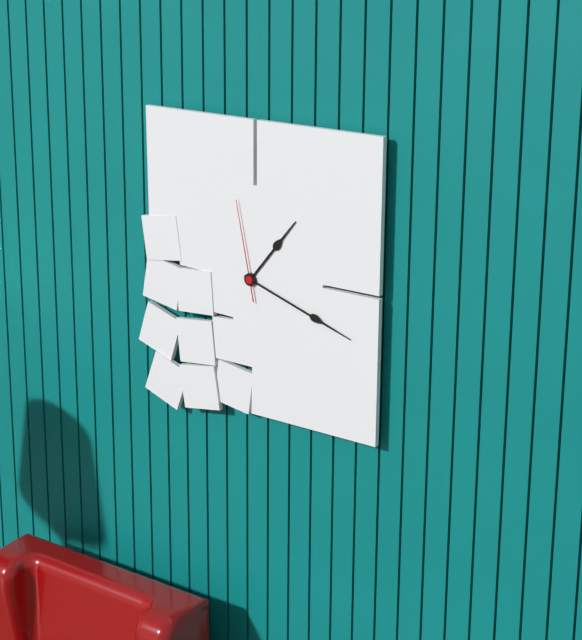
1:18:58
